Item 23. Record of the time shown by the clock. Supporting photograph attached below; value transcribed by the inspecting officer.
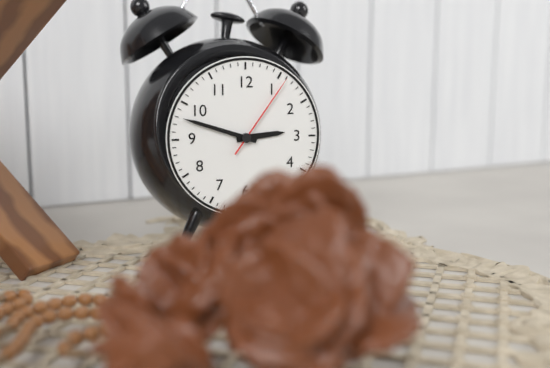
2:48:06
